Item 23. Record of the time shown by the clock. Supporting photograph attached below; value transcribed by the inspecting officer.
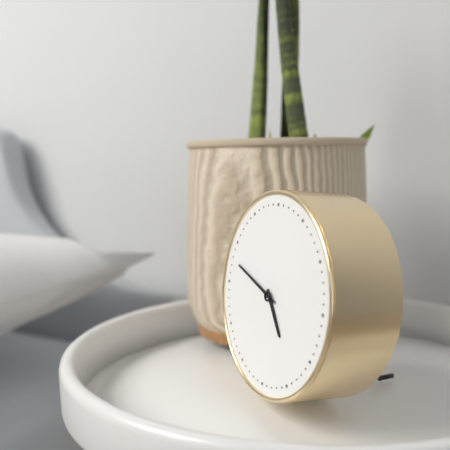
4:48
